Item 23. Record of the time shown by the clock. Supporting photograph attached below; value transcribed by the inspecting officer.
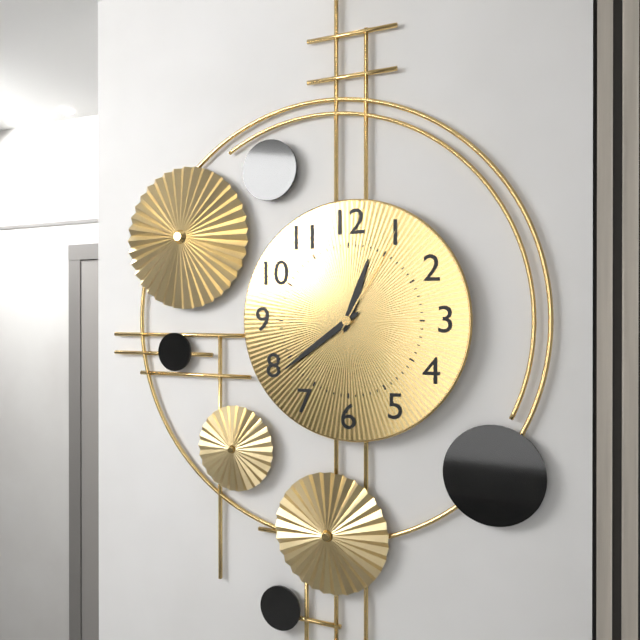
12:39:05
